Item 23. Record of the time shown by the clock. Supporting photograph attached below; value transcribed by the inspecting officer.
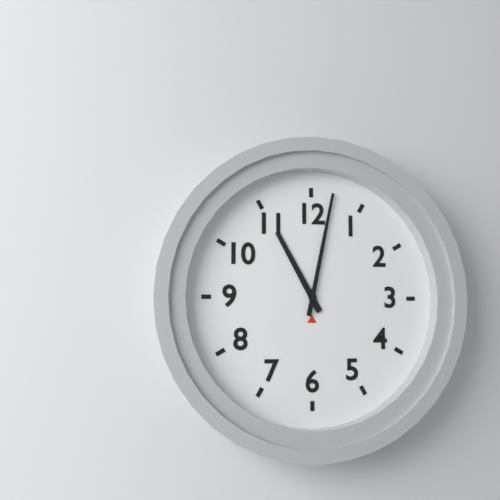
11:02
